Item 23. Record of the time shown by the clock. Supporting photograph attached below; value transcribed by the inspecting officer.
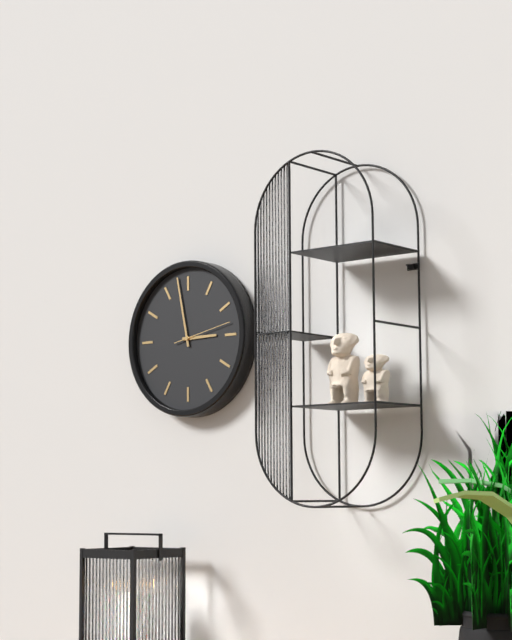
2:58
